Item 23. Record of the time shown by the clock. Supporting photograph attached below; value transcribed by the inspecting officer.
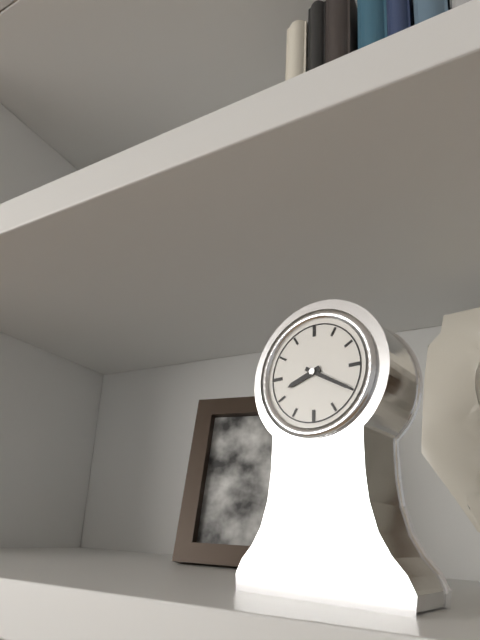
8:20
